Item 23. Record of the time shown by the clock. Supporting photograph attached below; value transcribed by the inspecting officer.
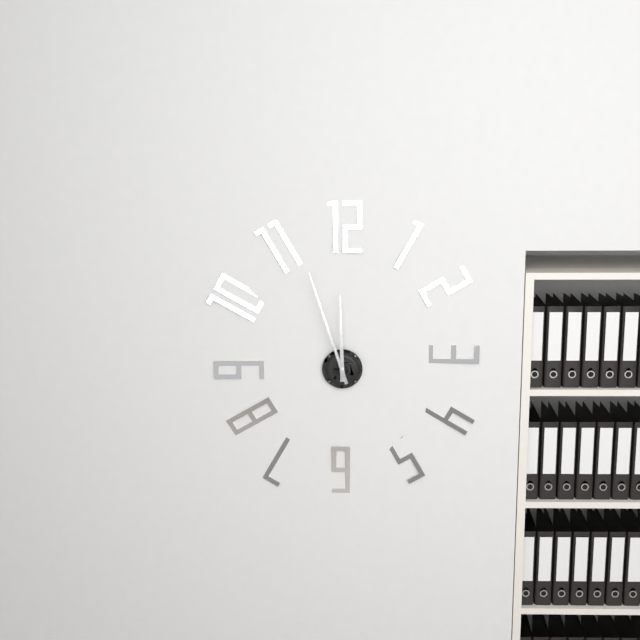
11:57
